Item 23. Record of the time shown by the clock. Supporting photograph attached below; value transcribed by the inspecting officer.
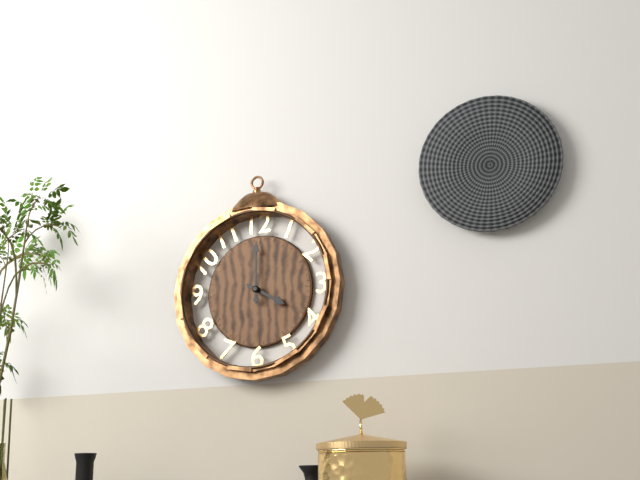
4:00
